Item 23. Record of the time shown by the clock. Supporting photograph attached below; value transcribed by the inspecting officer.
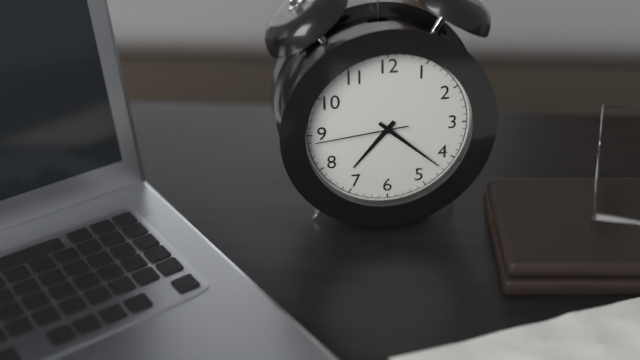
7:22:44
